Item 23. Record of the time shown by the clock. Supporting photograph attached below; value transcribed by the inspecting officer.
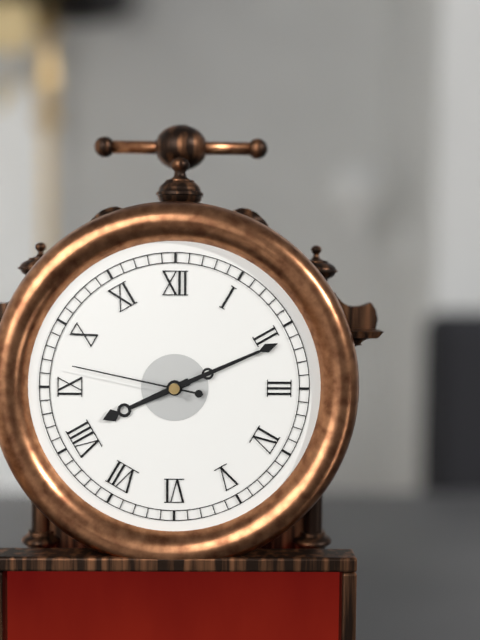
8:11:47
